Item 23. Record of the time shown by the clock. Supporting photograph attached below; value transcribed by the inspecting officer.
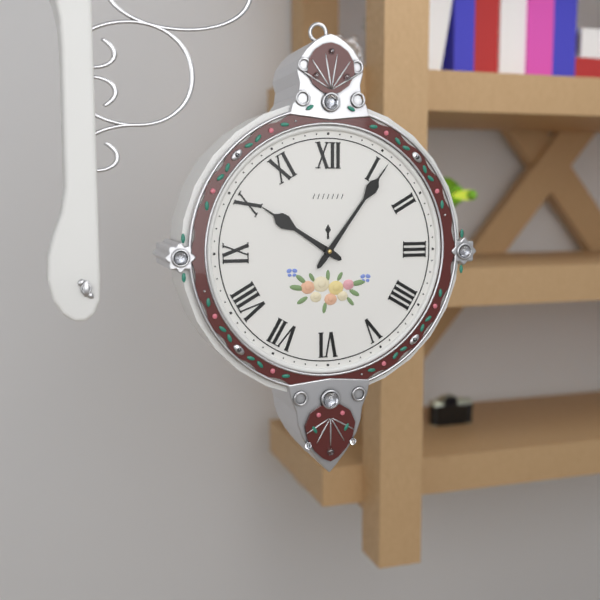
10:06
